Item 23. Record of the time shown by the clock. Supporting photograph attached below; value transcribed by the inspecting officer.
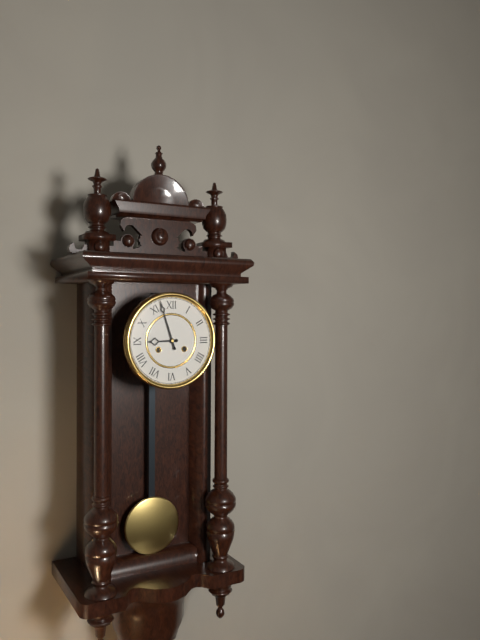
8:57
